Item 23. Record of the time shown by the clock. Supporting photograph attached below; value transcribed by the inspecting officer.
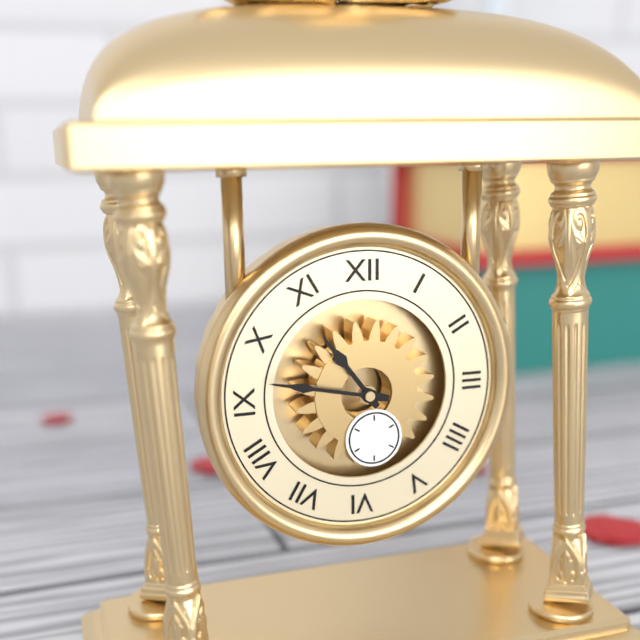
10:47
